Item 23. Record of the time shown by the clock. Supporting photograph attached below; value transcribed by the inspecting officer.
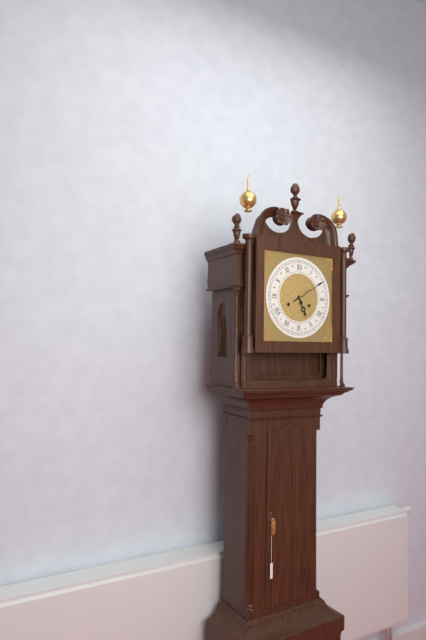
5:10
